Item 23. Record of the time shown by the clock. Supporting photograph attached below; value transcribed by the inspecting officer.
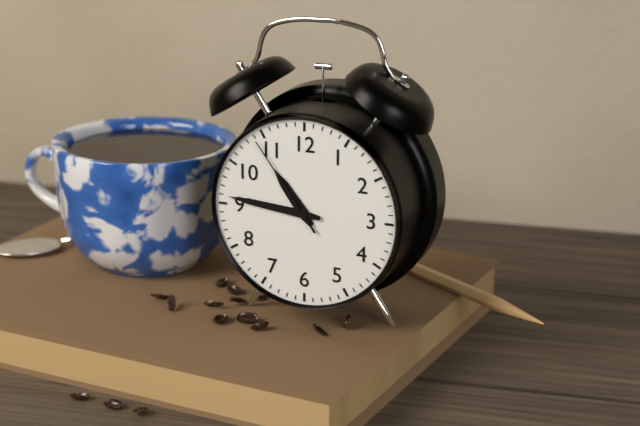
10:46:54
